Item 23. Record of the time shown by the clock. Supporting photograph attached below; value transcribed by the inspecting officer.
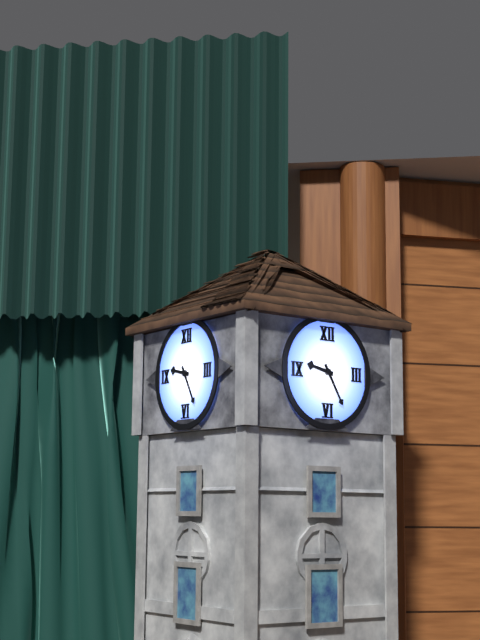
9:25
